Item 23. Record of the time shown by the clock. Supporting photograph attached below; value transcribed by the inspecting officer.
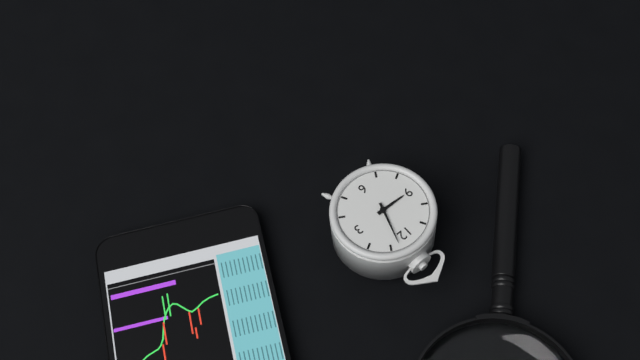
9:03
